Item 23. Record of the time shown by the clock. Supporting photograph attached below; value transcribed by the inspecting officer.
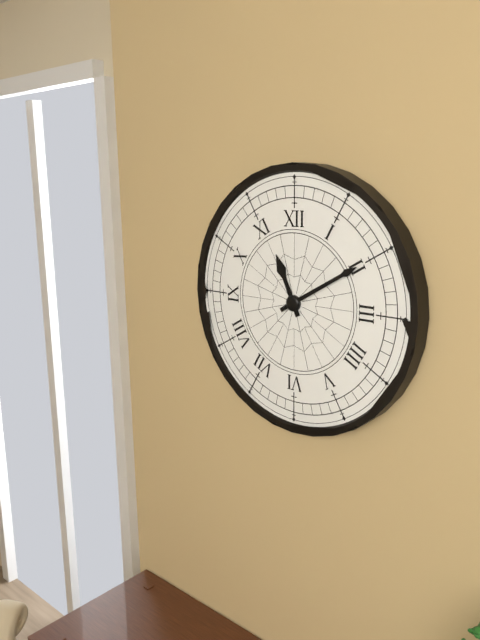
11:10
